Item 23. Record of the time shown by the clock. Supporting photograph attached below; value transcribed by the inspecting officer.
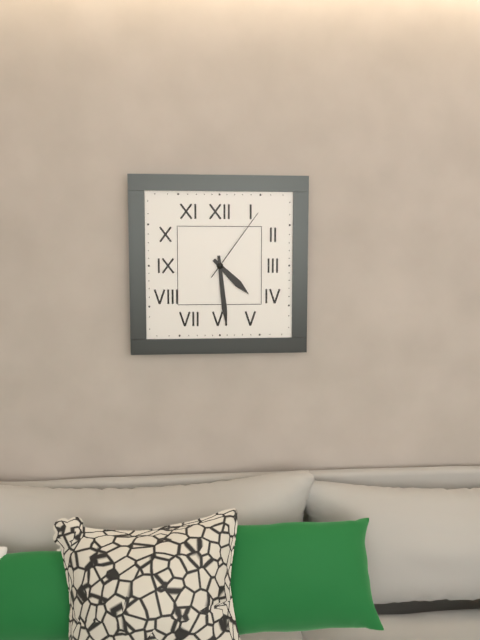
4:29:06
